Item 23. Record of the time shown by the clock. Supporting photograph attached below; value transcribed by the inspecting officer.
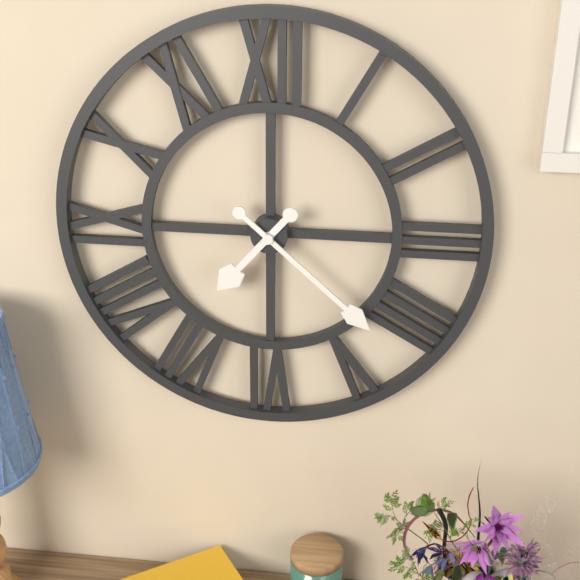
7:22
